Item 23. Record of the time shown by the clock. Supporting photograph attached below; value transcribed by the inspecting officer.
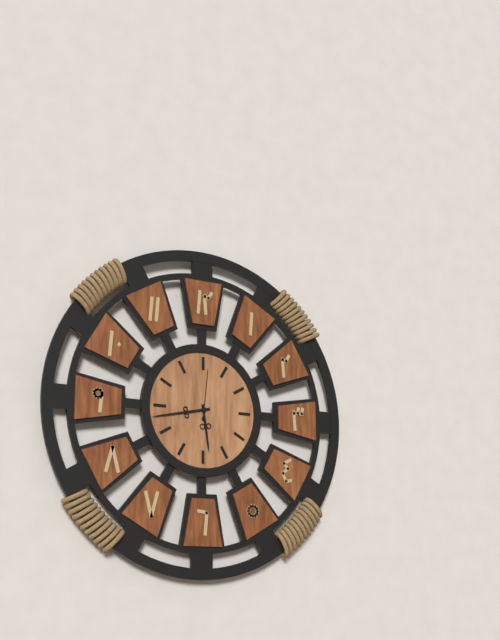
5:43:01
